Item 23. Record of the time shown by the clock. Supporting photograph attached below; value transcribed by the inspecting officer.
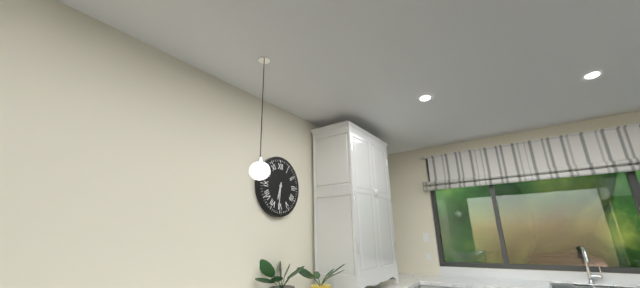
6:31
